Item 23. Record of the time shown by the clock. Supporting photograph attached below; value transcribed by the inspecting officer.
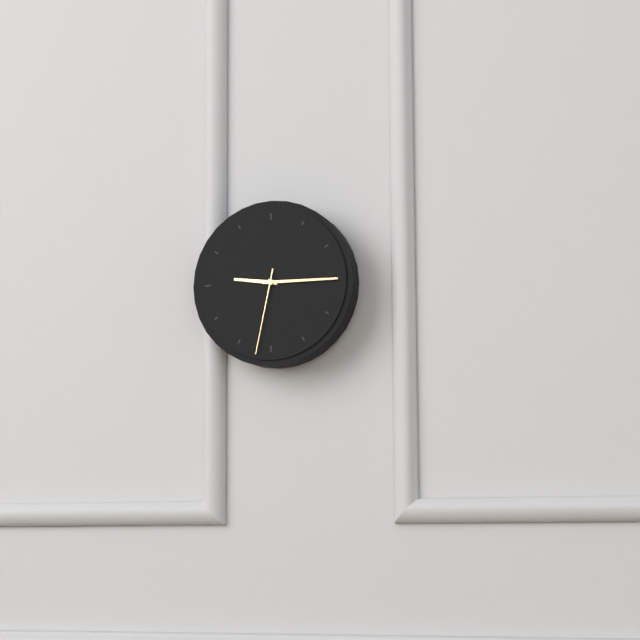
9:15:32
